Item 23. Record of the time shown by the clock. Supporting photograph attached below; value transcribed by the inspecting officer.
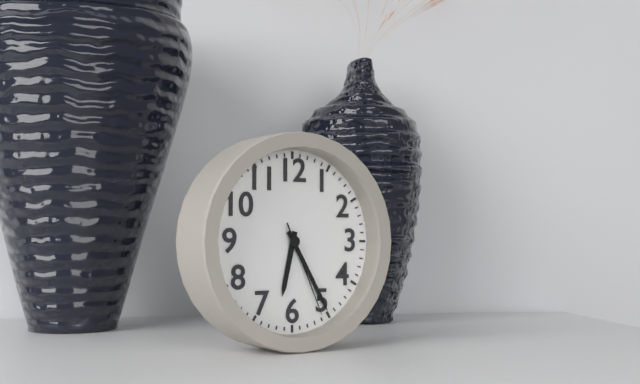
6:25:26
